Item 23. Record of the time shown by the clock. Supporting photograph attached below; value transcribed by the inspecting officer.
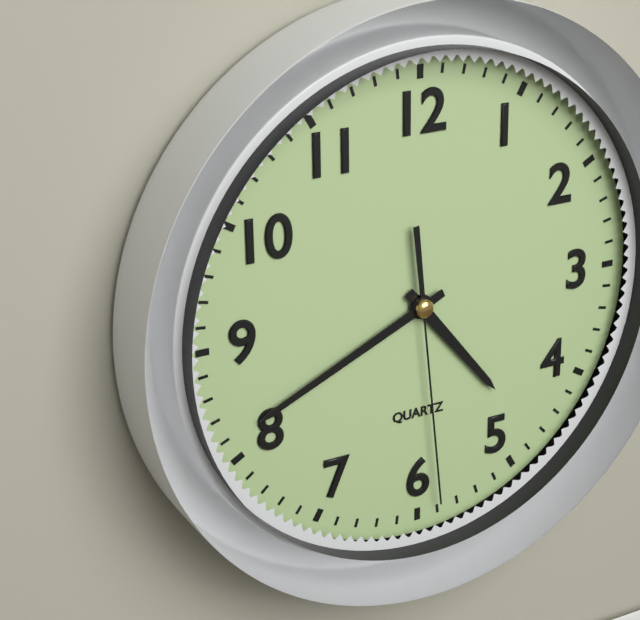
4:41:29
